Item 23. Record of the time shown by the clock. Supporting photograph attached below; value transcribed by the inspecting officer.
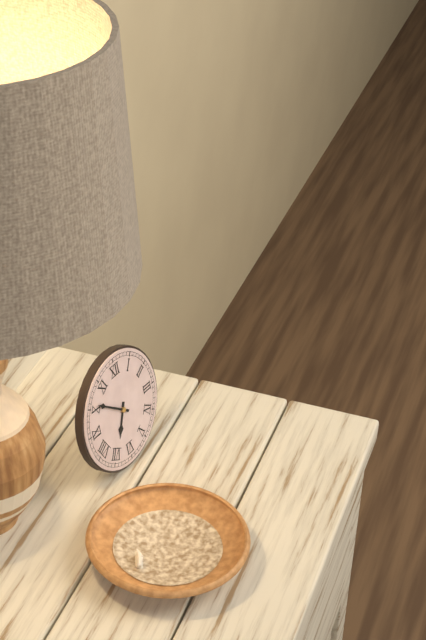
6:51
